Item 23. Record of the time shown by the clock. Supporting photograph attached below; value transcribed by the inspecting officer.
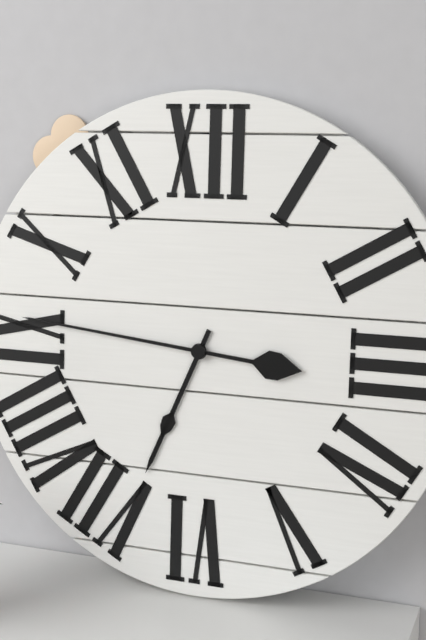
6:46
